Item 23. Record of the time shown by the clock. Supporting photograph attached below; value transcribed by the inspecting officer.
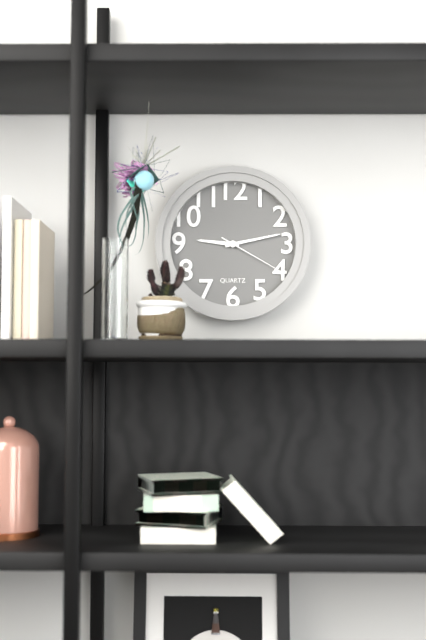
9:13:20
